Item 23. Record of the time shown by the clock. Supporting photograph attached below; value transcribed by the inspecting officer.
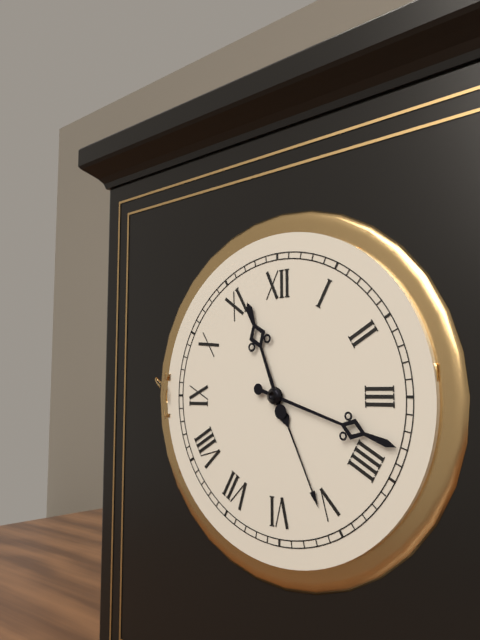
11:18
